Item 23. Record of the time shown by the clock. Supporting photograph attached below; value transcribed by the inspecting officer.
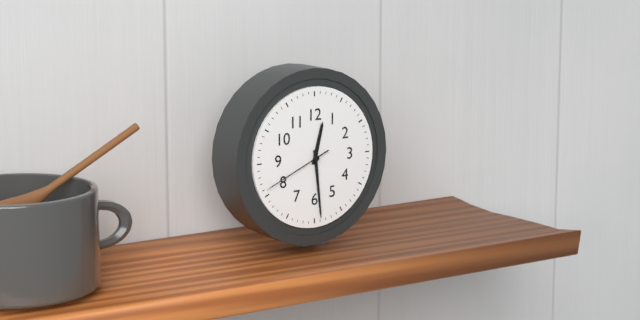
12:29:41
